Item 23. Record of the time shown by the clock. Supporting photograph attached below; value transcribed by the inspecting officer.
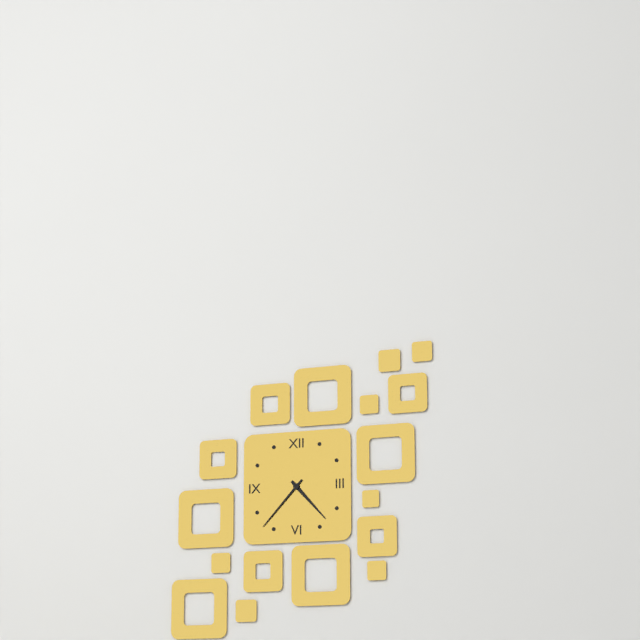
4:37
